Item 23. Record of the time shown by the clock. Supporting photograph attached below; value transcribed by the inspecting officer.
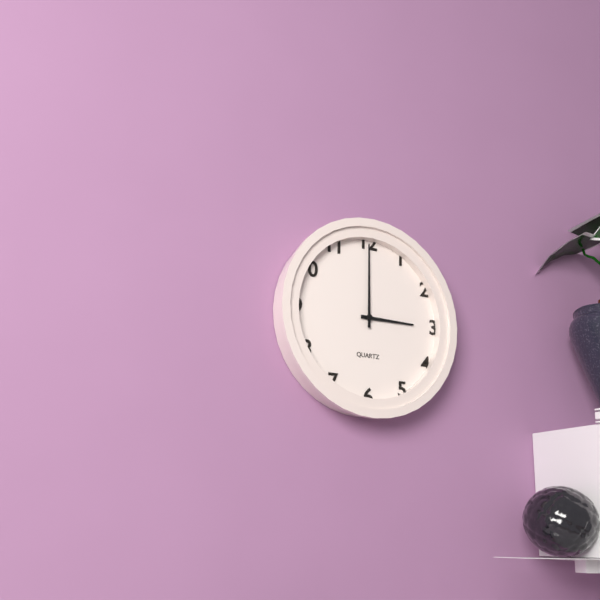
3:00
